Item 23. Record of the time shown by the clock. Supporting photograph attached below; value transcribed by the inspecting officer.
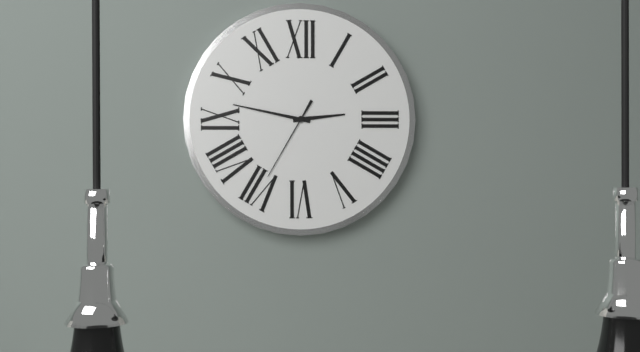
2:47:35
